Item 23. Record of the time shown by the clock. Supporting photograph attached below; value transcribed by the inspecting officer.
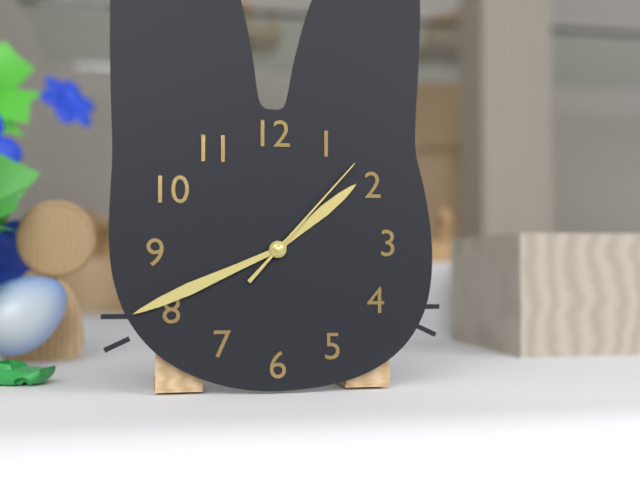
1:41:07
